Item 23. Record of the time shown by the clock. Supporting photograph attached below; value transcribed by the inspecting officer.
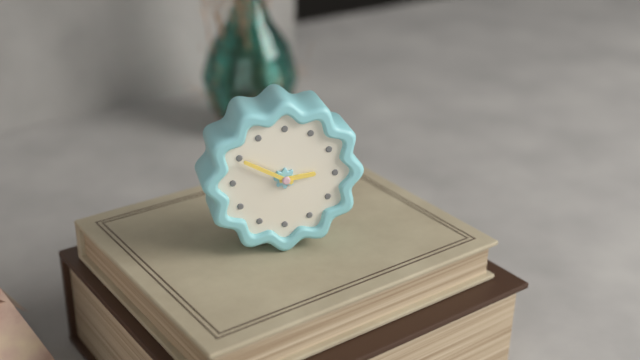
2:50
